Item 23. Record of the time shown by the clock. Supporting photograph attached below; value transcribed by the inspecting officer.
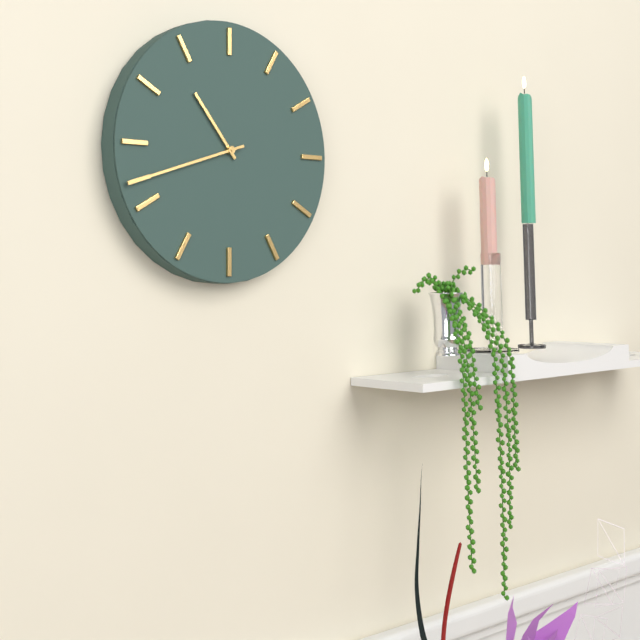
10:42
